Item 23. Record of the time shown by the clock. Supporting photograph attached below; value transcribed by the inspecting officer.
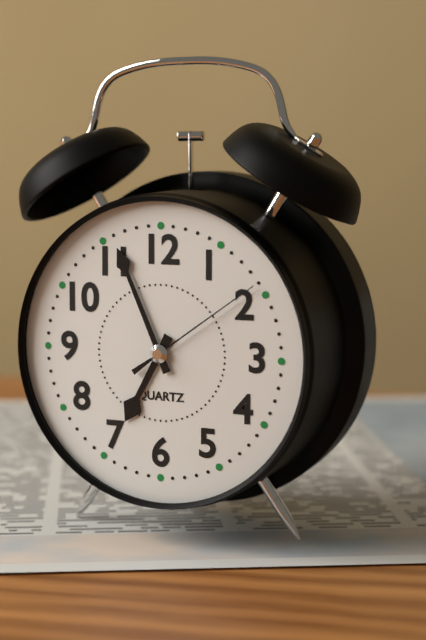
6:56:09
